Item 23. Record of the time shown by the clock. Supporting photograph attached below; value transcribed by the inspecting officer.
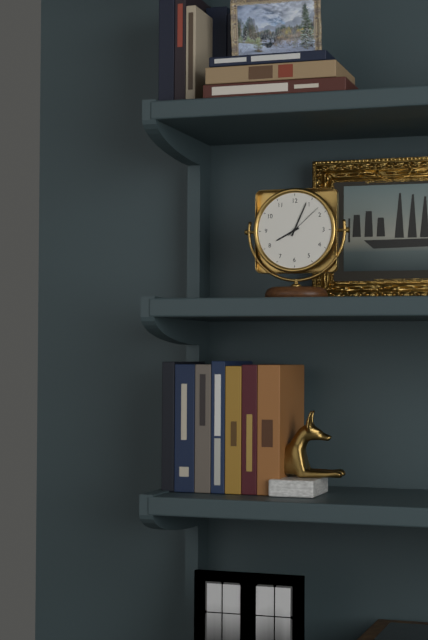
8:04
